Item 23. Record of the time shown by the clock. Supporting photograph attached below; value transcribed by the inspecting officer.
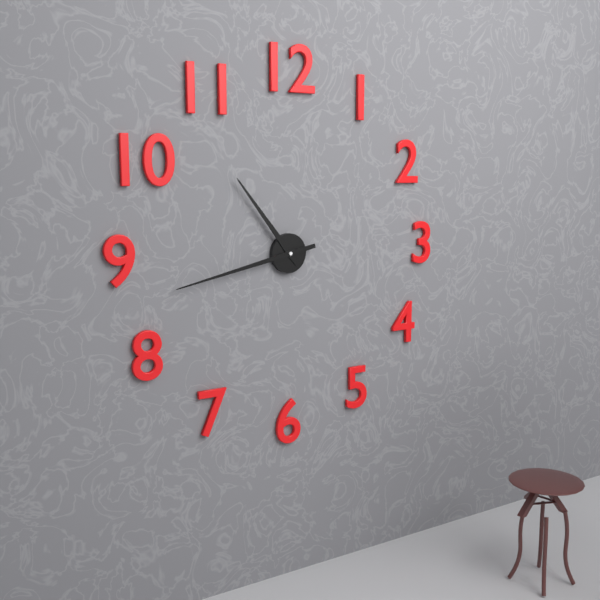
10:43
